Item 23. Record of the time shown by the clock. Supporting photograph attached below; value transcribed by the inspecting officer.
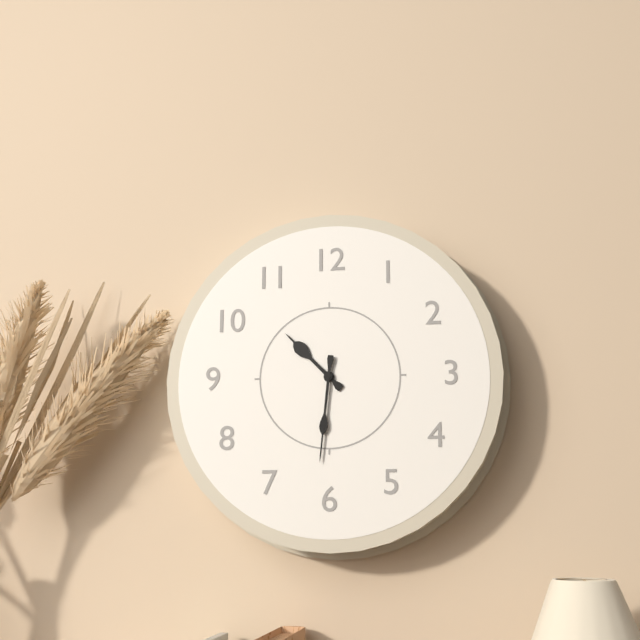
10:31
